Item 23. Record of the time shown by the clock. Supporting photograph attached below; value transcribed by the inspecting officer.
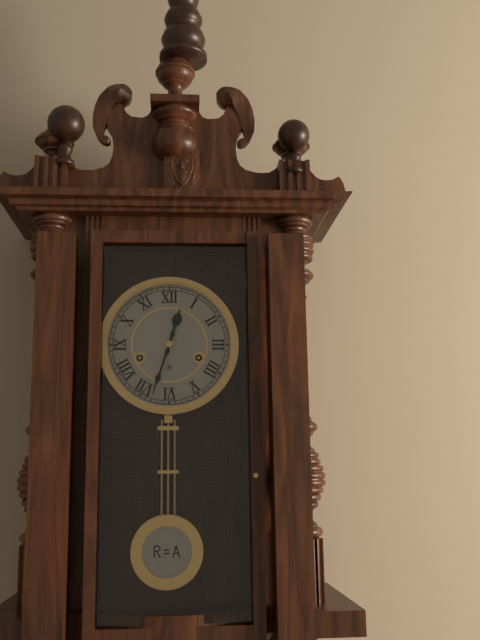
12:33
